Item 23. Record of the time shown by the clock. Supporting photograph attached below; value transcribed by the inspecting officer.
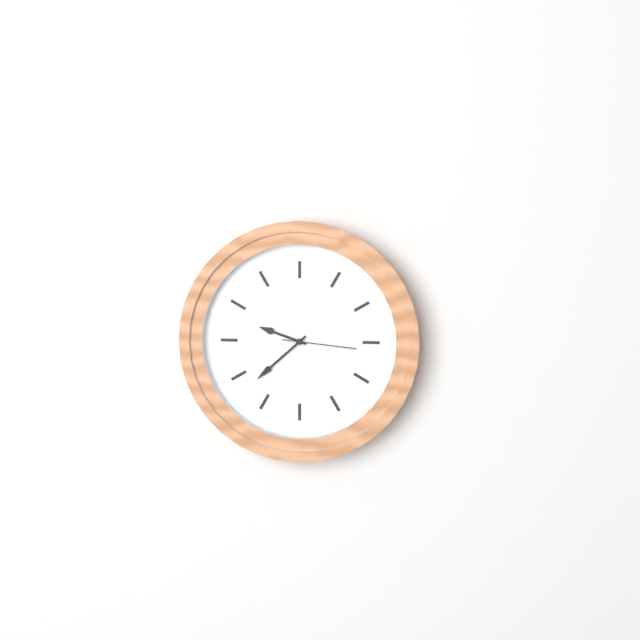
9:38:16
